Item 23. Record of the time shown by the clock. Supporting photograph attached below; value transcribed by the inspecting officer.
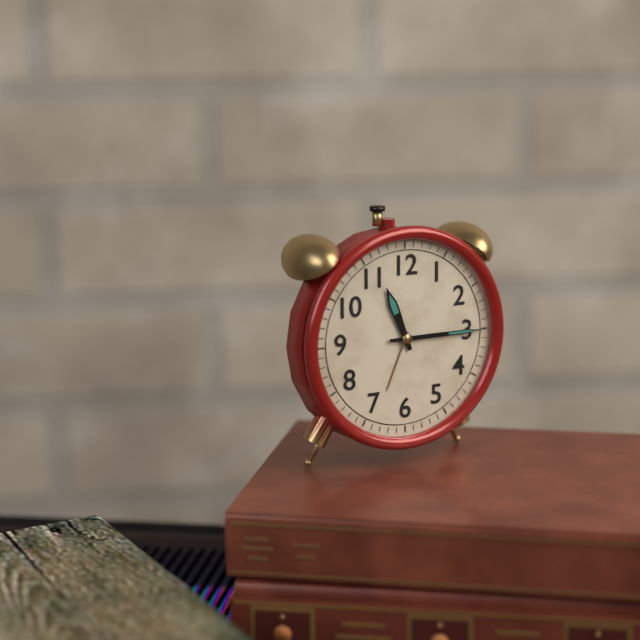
11:15
